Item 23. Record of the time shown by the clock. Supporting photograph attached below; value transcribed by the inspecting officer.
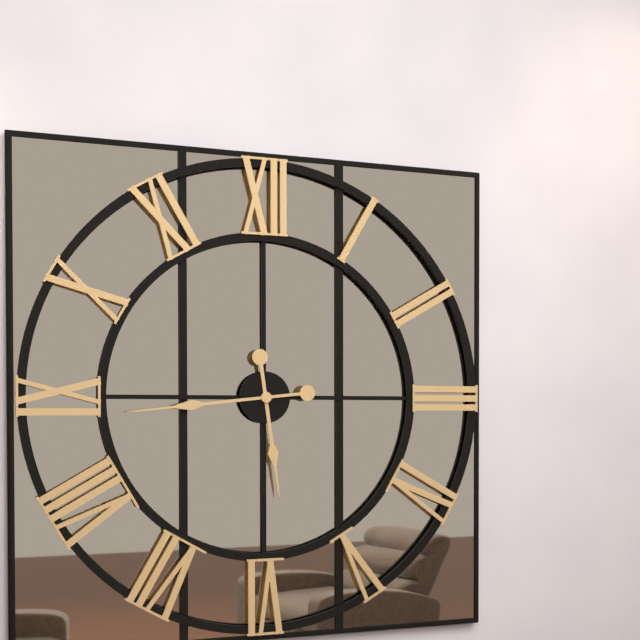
5:44
